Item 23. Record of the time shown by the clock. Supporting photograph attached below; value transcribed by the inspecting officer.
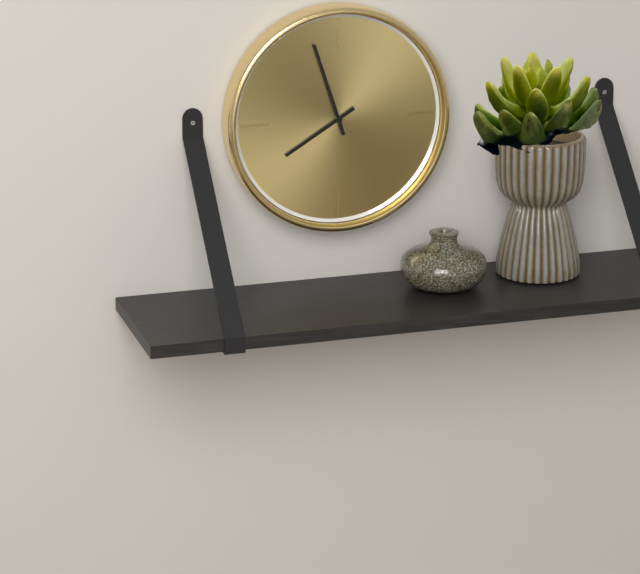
7:57
